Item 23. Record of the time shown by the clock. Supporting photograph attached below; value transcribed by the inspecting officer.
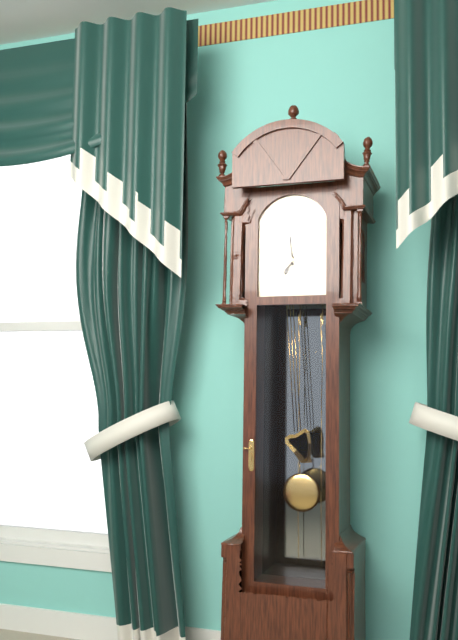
6:59
